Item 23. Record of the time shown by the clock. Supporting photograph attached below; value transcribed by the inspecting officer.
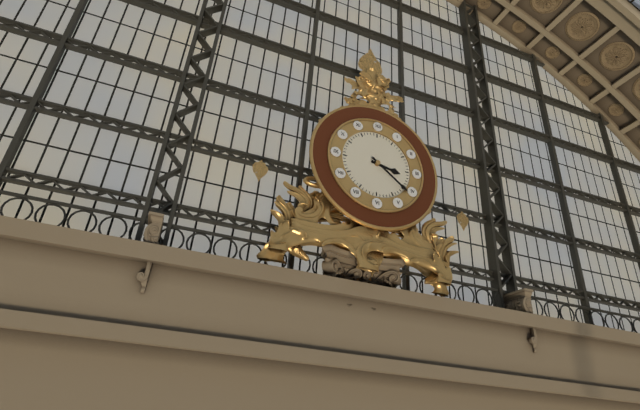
3:21
